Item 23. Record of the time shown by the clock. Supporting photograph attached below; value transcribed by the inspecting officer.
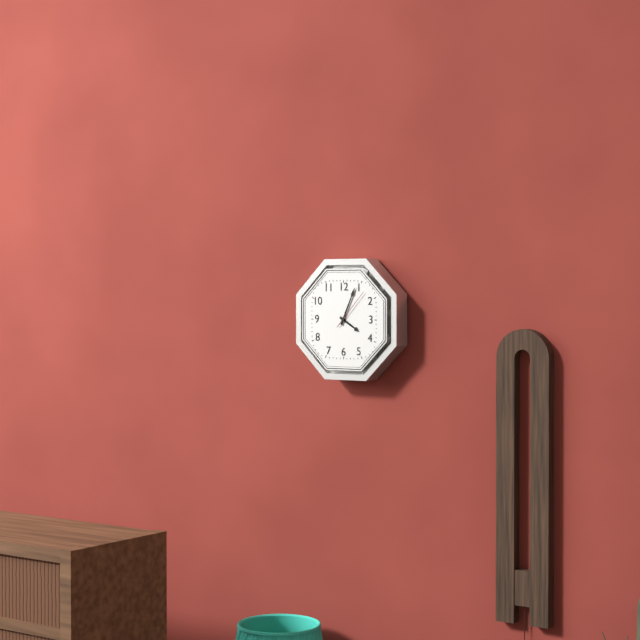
4:04
